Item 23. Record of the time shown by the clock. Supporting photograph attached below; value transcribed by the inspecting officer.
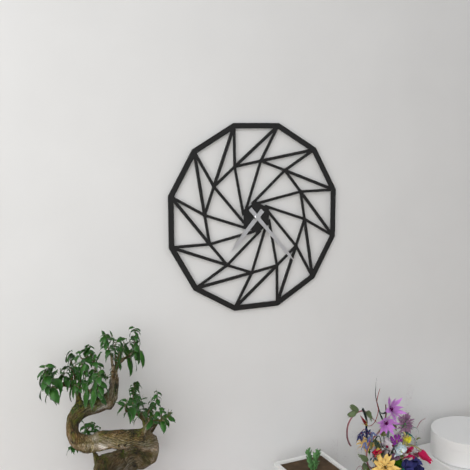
7:23
